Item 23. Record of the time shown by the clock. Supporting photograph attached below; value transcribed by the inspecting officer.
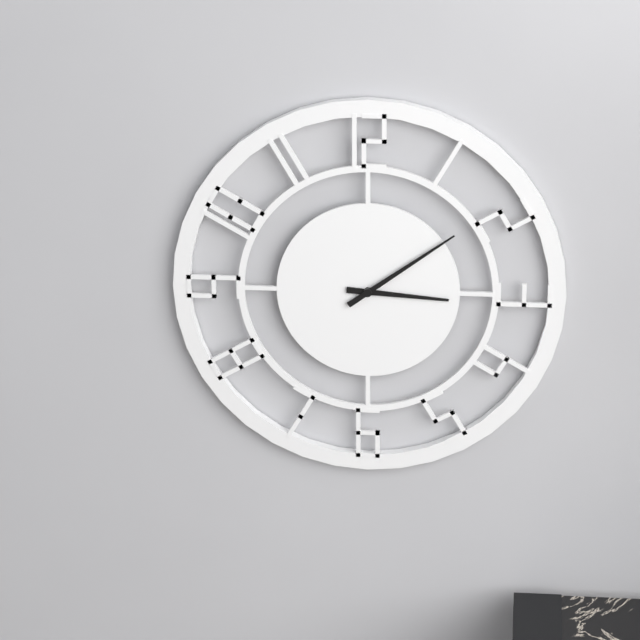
3:09
